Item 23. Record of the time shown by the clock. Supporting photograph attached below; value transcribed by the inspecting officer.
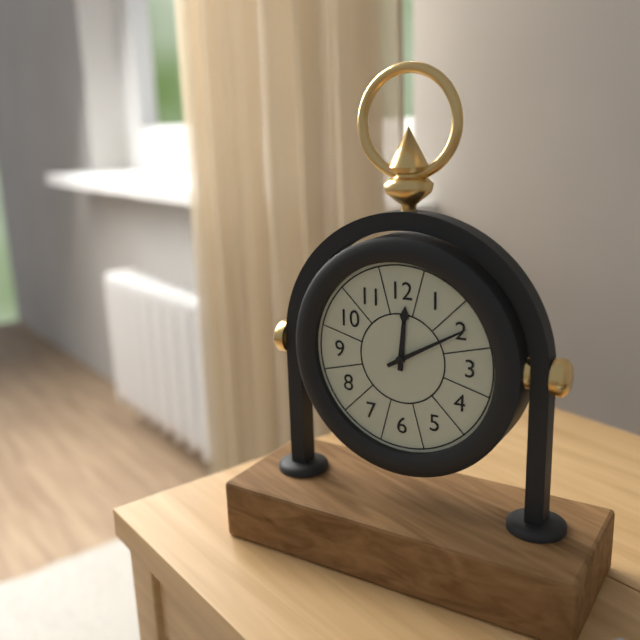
12:10
